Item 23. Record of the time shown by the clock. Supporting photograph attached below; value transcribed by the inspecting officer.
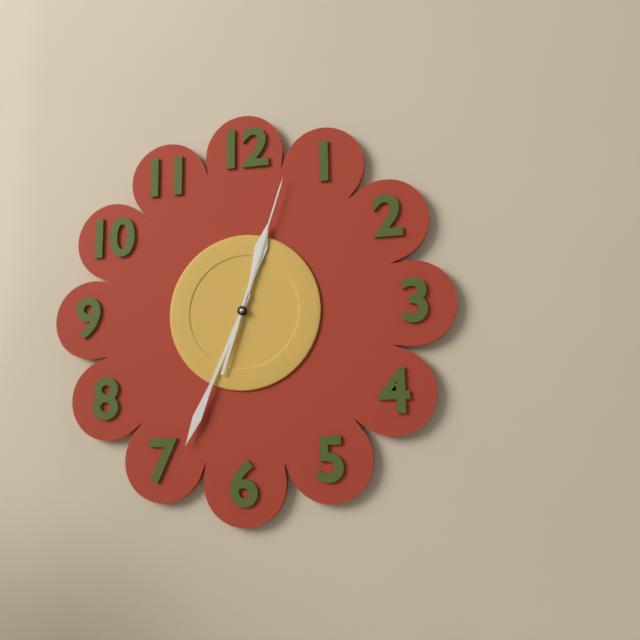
12:34:03
